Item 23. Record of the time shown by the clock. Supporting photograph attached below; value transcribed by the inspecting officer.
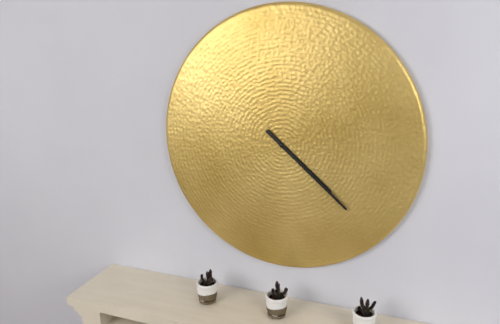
4:22
